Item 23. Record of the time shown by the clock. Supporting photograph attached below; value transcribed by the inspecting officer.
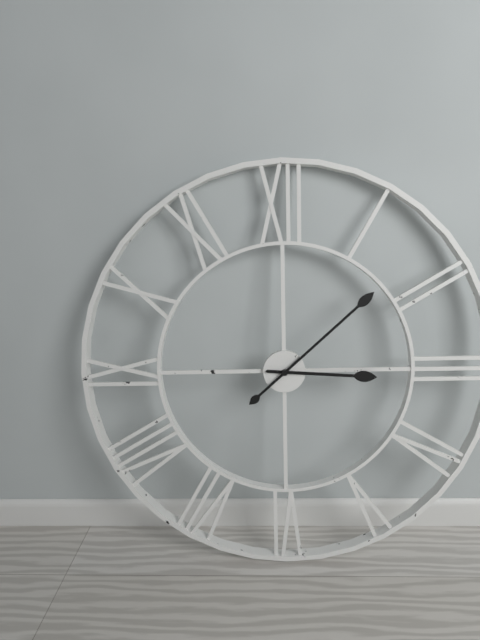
3:08
